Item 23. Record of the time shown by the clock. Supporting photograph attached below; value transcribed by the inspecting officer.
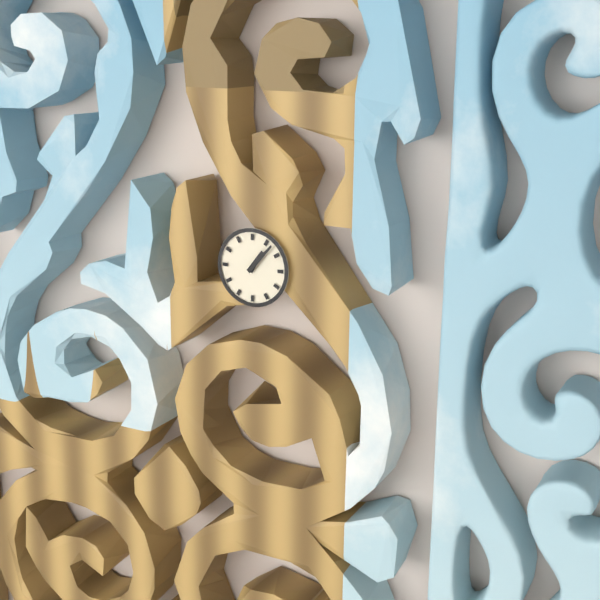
1:07
